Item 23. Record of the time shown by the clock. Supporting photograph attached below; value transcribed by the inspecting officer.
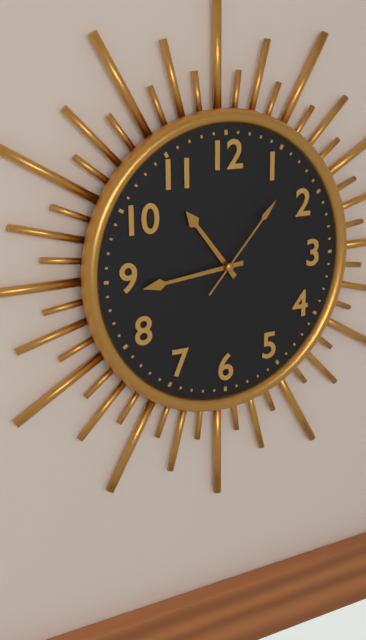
10:44:07
